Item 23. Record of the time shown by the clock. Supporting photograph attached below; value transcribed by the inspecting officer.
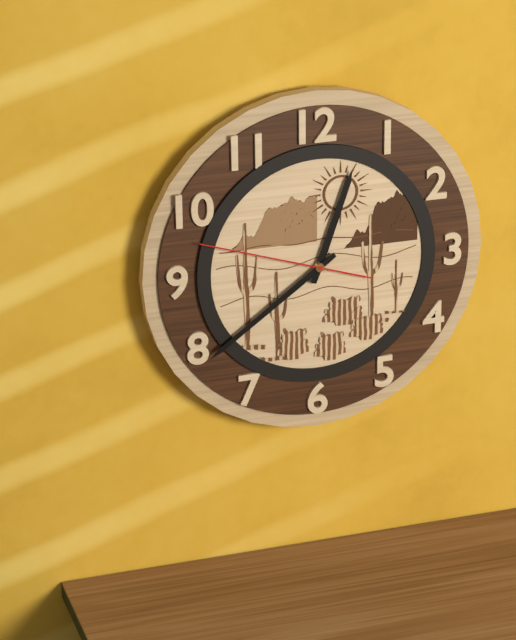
12:39:48
